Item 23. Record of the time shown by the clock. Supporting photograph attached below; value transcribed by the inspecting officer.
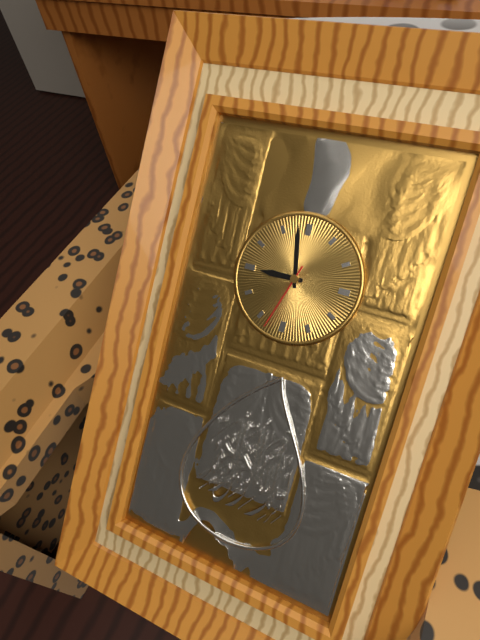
8:58:33
